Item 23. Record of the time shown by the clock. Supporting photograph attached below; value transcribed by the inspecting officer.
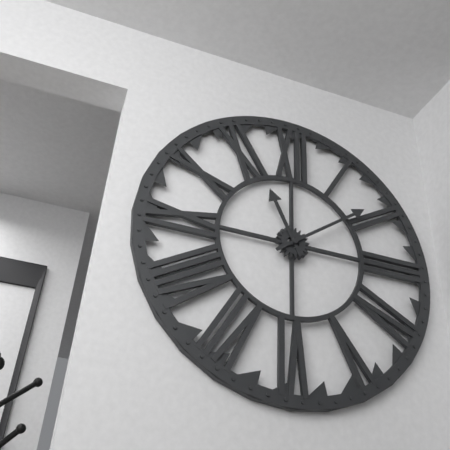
11:09
